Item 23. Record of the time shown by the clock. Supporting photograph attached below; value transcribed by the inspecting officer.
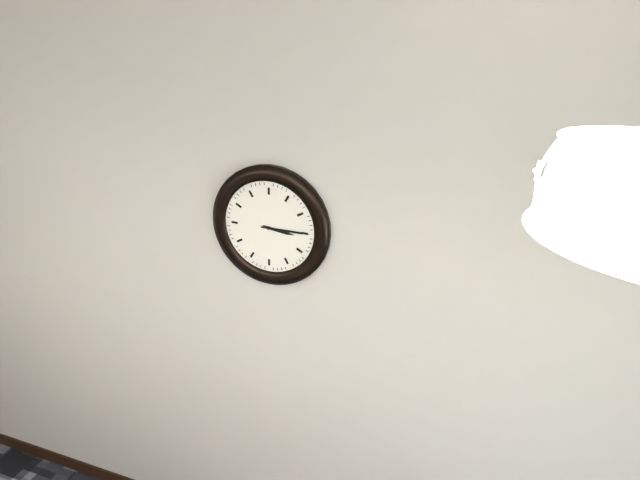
3:15
